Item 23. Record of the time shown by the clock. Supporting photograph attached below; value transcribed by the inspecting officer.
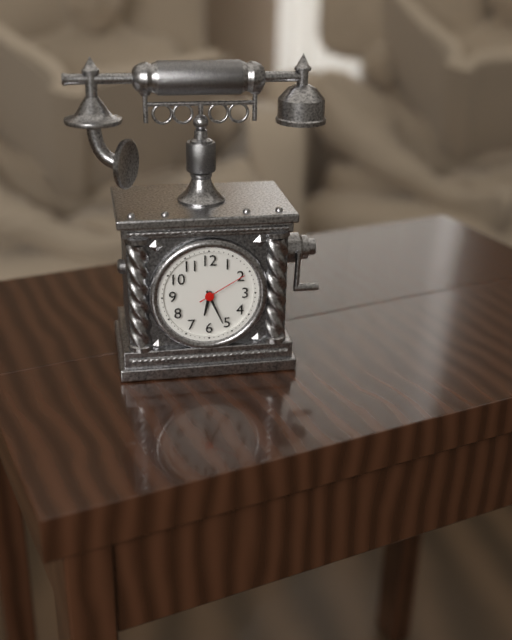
6:26:10
